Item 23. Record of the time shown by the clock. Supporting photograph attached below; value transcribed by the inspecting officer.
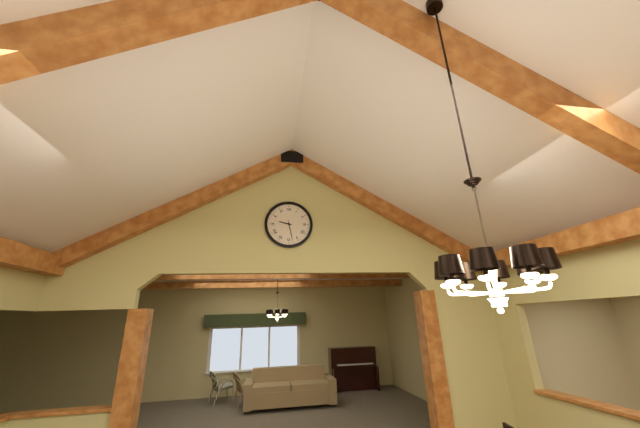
9:28
